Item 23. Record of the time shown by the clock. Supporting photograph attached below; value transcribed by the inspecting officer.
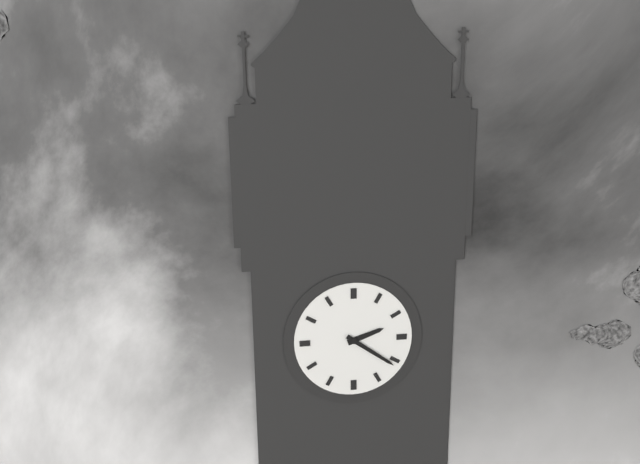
2:21
